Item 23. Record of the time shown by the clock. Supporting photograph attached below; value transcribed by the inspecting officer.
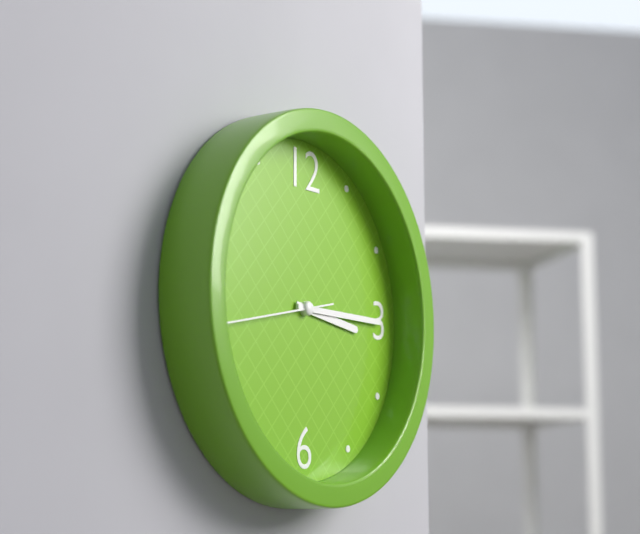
3:15:43
